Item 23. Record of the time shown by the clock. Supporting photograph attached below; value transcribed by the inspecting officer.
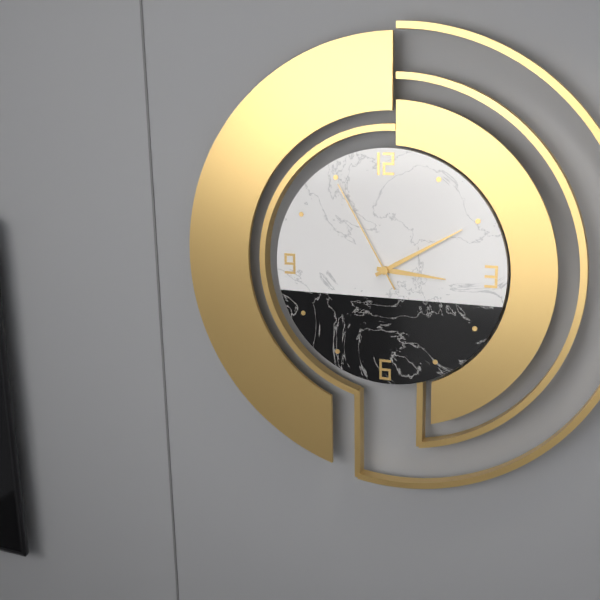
3:10:55
